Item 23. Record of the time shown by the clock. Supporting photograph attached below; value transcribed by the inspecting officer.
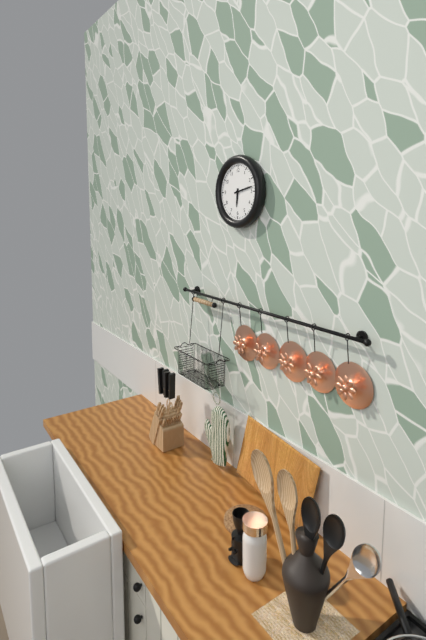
6:13
